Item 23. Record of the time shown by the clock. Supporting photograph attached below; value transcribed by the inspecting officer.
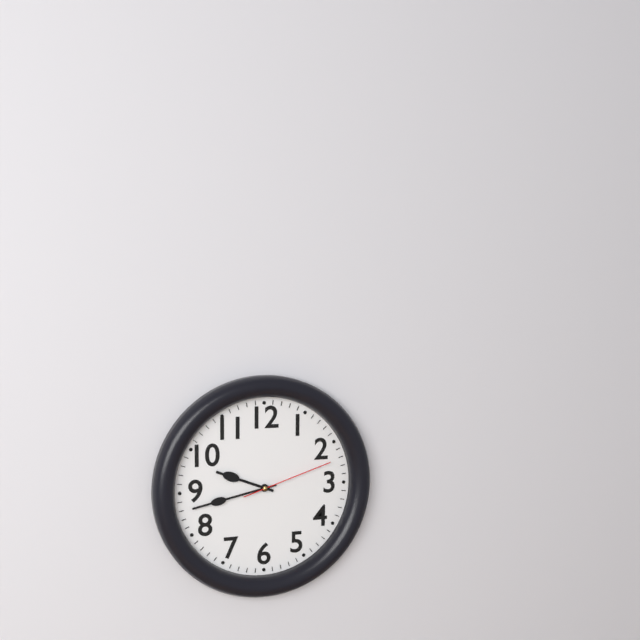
9:43:12
